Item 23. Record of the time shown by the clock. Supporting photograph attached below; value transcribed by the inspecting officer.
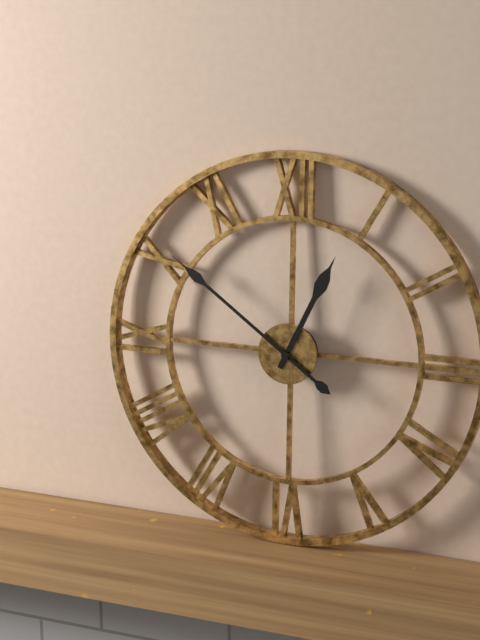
12:51
